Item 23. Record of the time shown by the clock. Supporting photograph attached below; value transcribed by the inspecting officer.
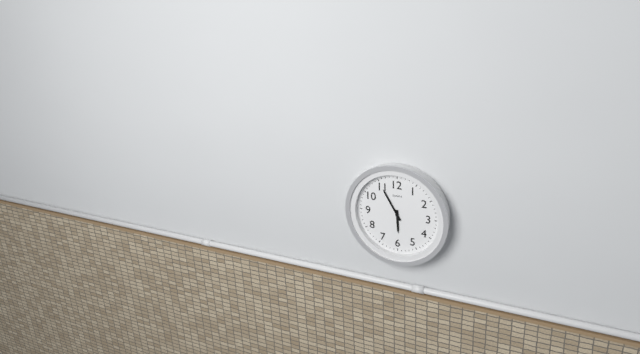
5:55
